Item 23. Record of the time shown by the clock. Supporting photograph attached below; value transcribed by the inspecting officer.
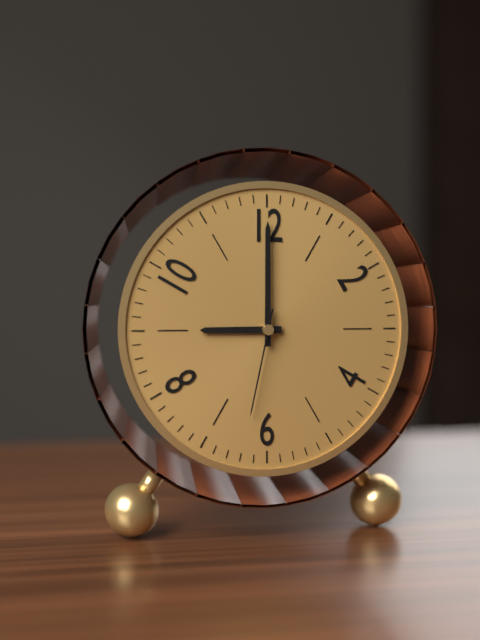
9:00:32
